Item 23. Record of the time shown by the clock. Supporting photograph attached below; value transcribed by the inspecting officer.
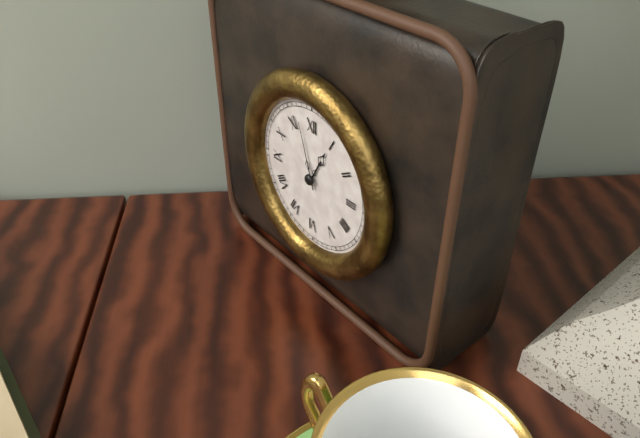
12:57
